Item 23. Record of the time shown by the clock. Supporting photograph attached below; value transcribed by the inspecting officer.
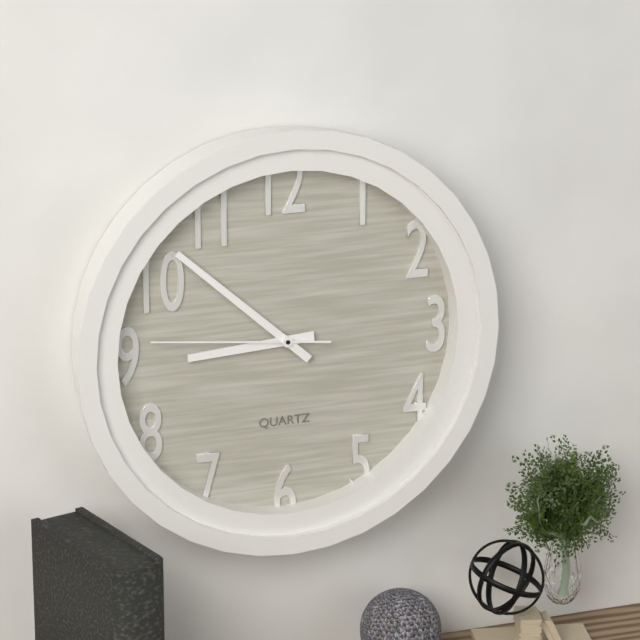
8:52:46
